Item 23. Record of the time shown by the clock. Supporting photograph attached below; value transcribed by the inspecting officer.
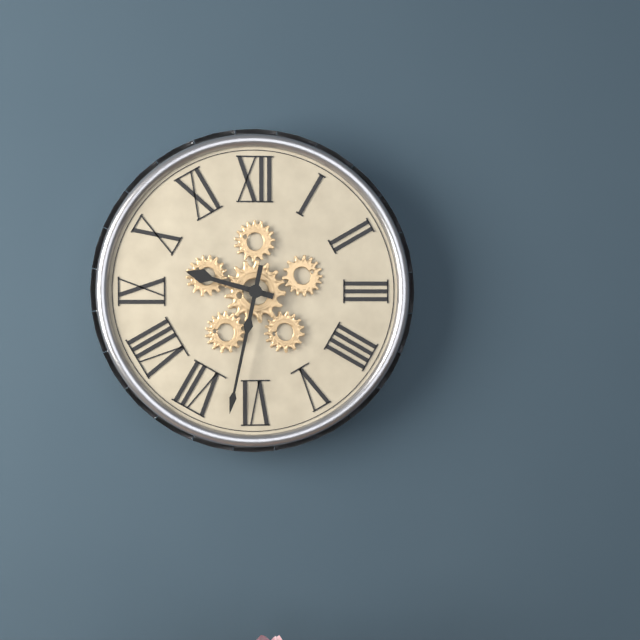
9:32
